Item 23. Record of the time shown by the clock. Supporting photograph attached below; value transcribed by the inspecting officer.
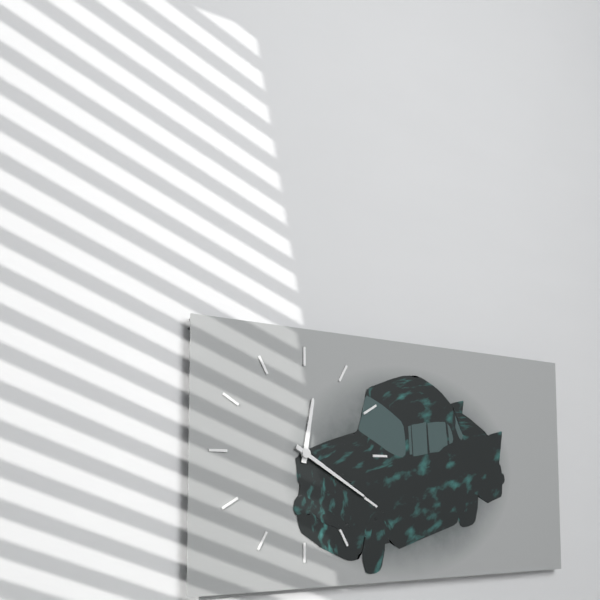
12:20
